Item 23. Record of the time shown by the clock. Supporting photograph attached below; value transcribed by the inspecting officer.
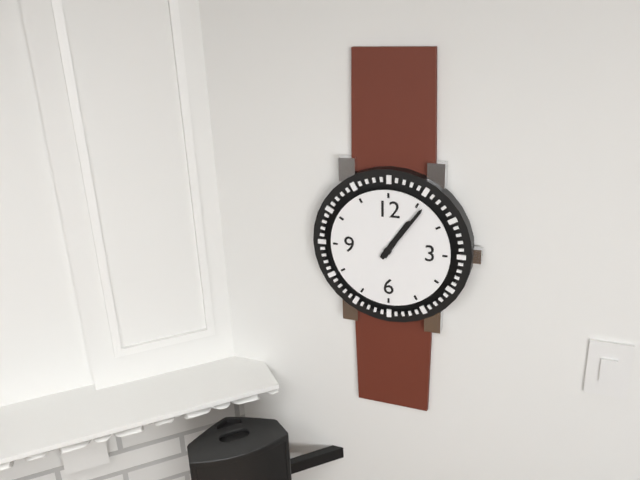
1:06
